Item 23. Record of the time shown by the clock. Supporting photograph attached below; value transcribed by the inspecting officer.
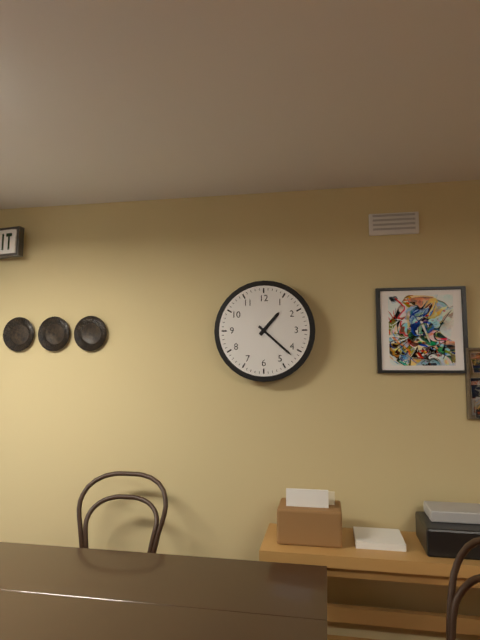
1:22
